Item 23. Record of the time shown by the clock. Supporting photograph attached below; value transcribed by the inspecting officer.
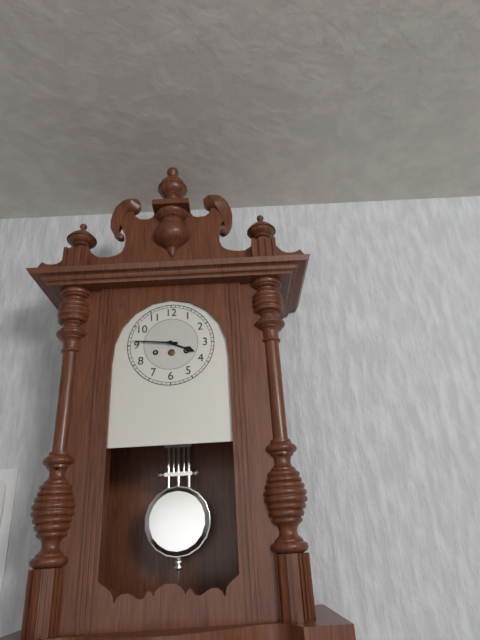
3:46
